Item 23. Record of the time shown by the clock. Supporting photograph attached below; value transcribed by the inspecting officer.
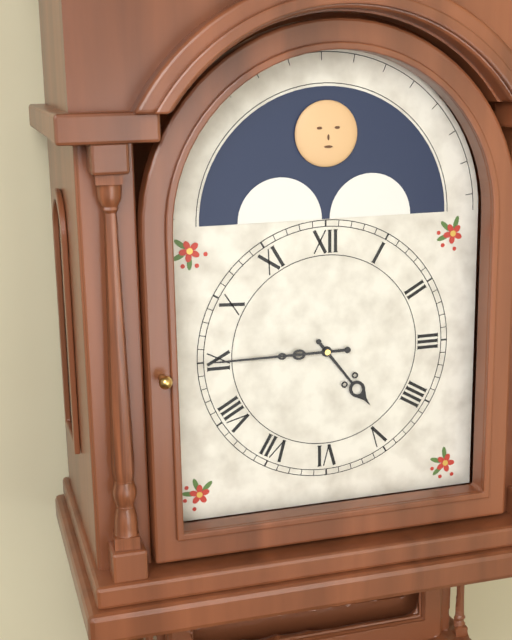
4:45
